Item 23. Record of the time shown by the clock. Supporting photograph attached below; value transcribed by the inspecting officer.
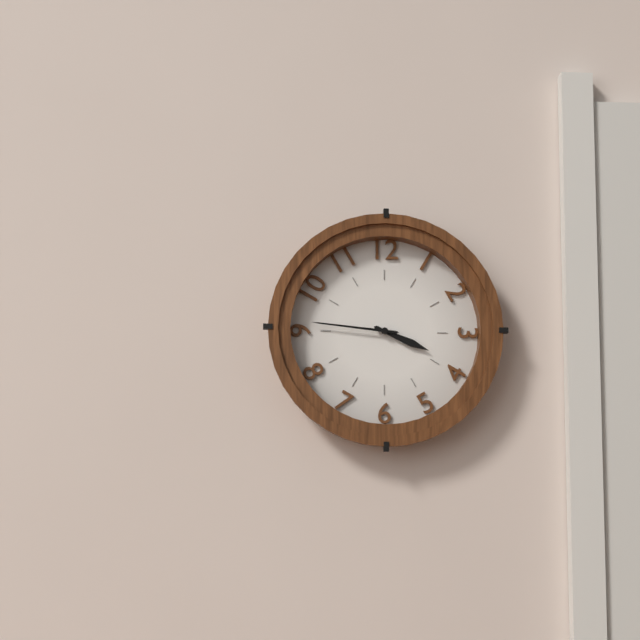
3:46
